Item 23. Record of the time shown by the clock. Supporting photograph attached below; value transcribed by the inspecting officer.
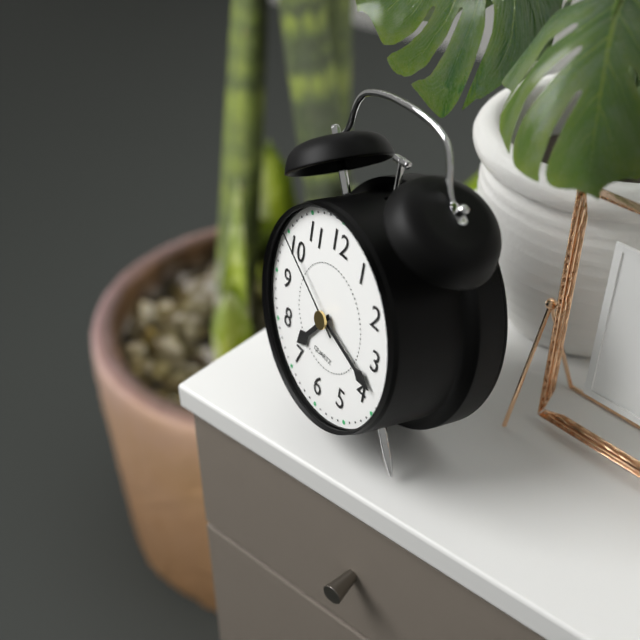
7:18:50
